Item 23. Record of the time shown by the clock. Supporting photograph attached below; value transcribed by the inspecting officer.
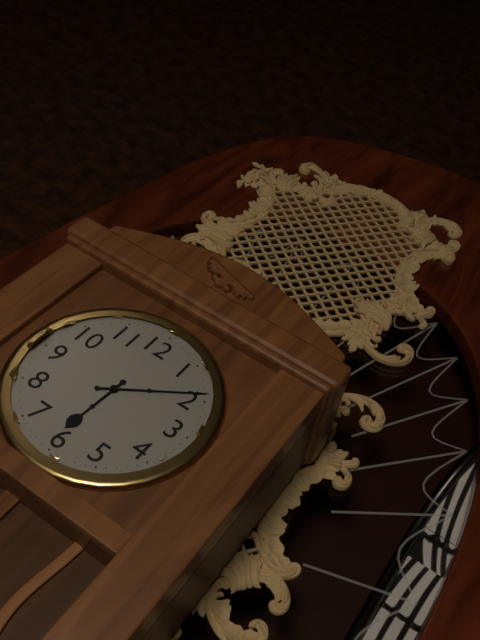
6:09
